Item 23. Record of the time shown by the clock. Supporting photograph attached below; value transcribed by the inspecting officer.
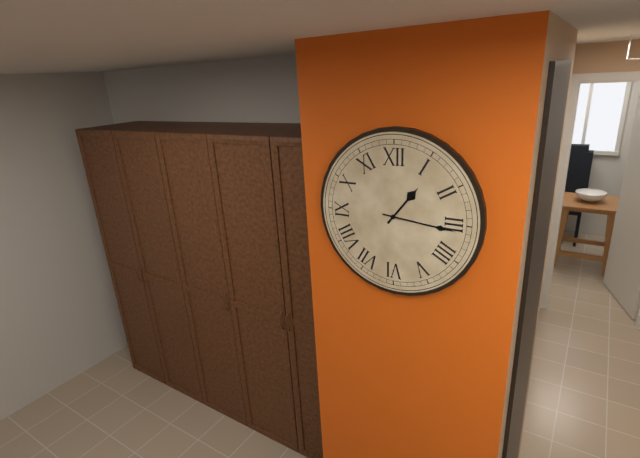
1:16
